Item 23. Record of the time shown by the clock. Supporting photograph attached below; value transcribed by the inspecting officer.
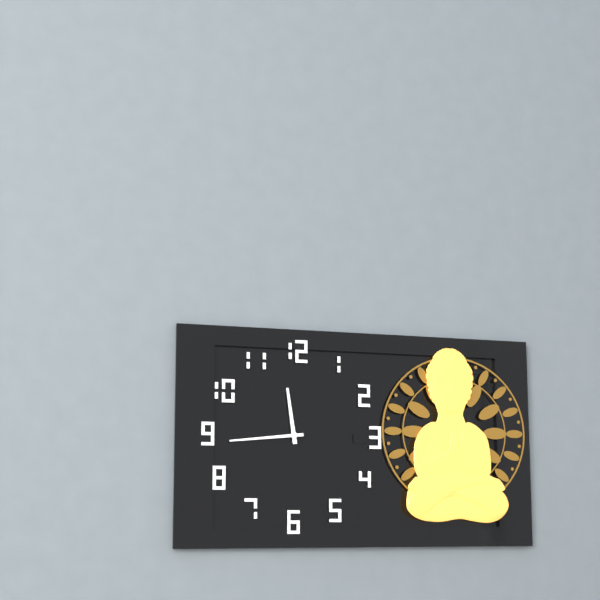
11:44
